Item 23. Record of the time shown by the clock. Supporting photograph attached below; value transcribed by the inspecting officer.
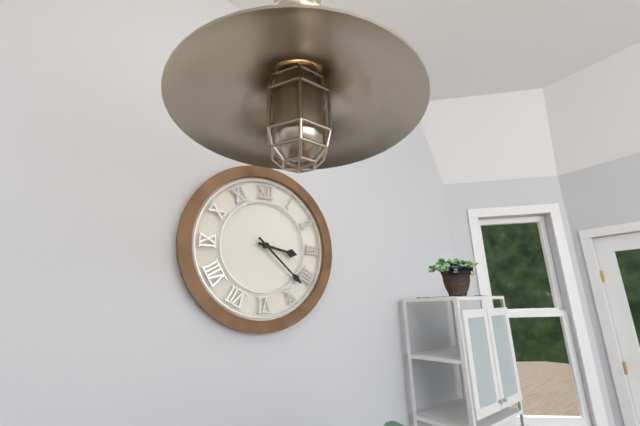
3:22
